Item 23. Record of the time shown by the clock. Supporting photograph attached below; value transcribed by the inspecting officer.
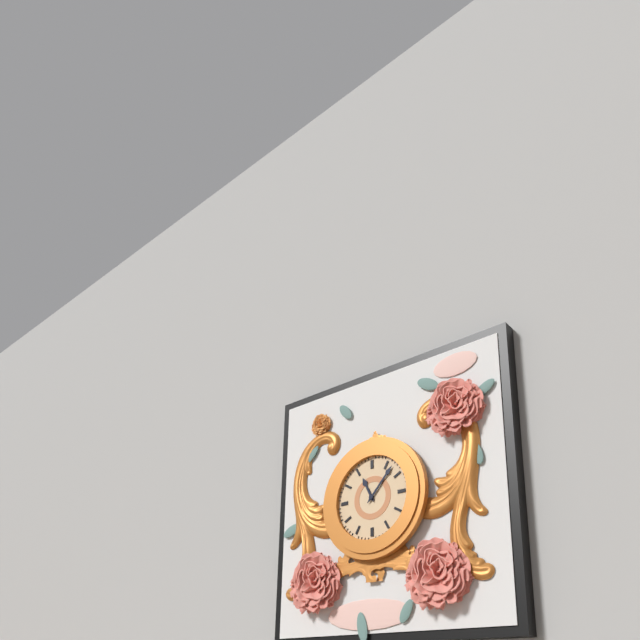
11:07
